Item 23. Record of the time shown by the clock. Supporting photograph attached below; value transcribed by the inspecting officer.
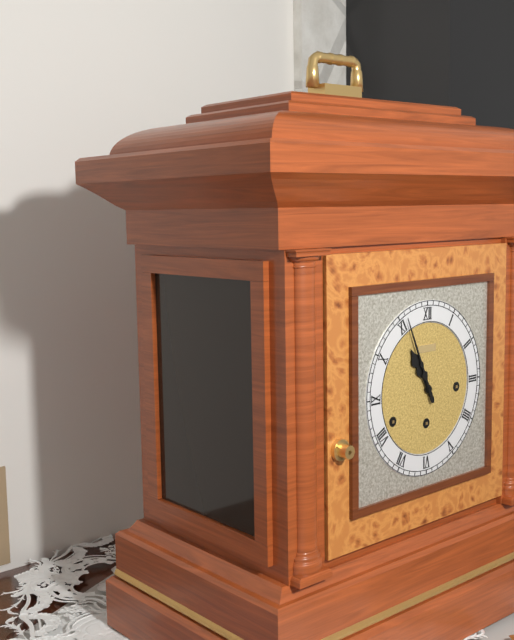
10:56
